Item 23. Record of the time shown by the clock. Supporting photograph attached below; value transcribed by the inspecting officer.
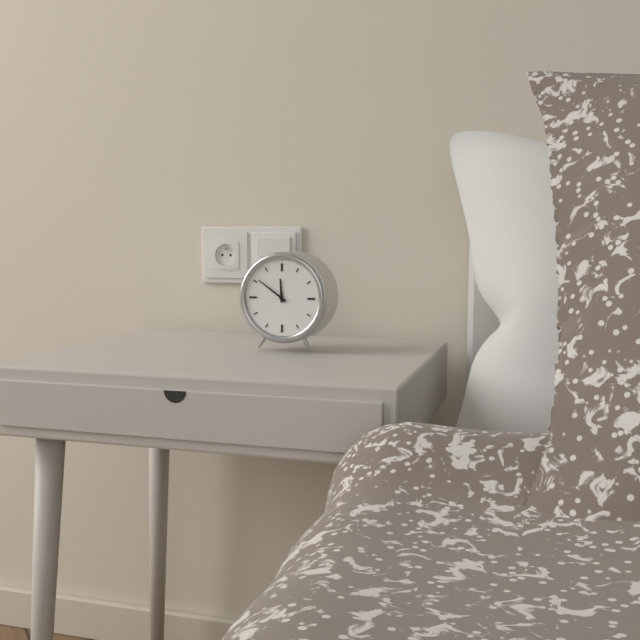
11:51
